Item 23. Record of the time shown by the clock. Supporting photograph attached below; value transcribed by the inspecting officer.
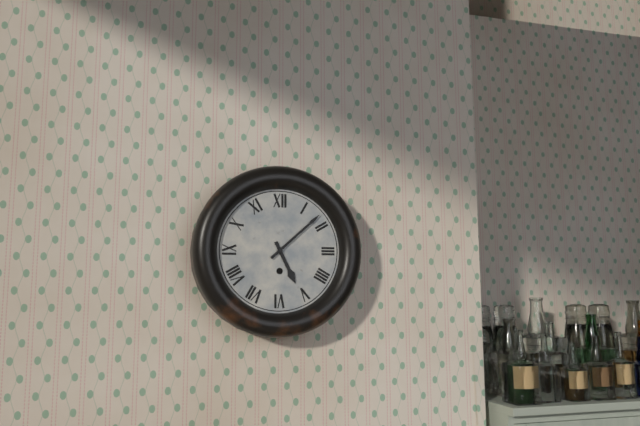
5:08
